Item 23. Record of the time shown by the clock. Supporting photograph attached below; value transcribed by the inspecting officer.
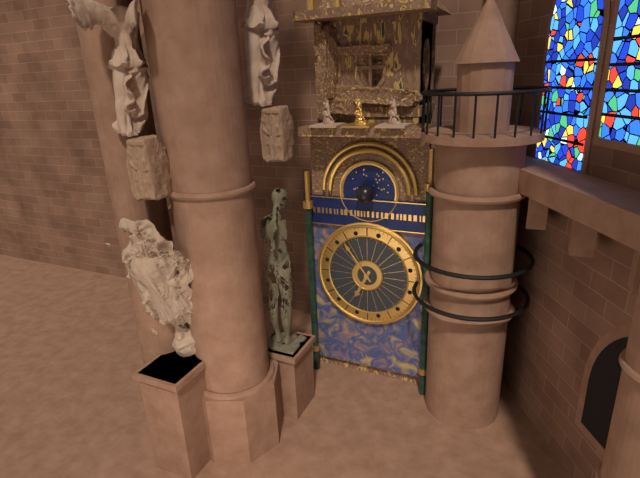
6:54
